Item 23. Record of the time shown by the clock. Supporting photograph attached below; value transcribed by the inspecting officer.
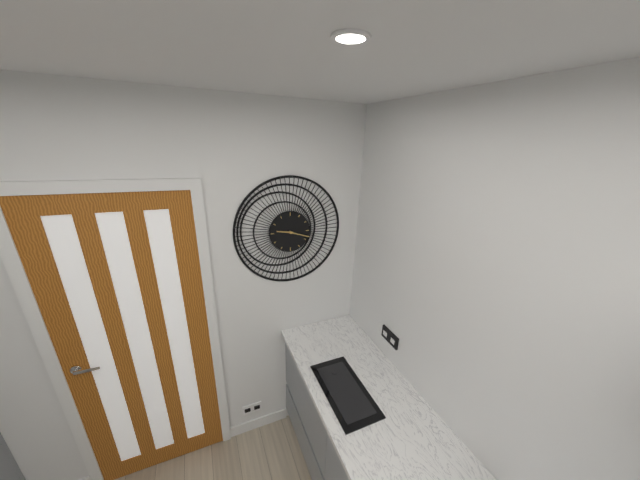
9:18
